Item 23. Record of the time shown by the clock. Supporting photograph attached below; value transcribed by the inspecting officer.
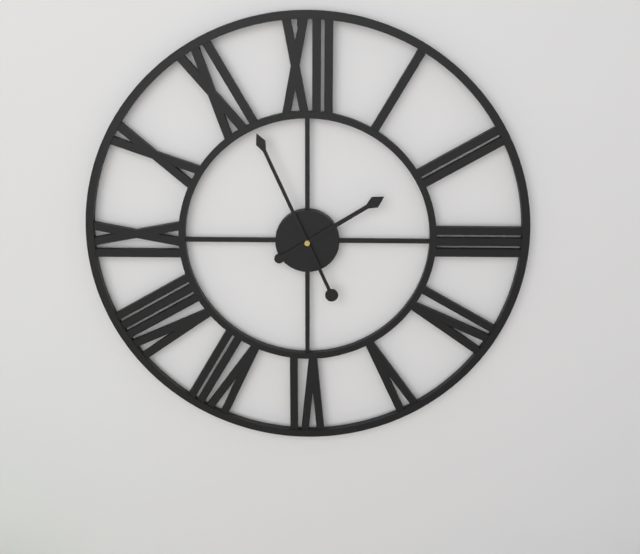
1:56
